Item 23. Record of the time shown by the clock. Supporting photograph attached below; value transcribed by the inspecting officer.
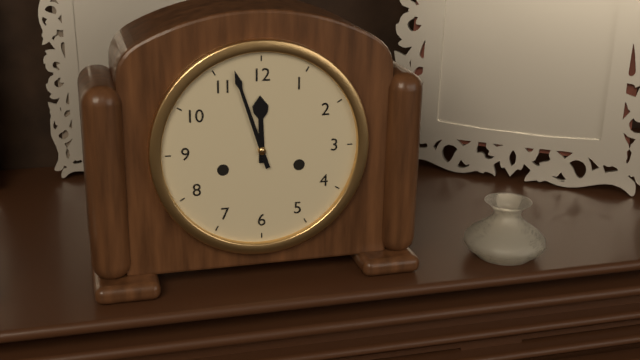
11:57
